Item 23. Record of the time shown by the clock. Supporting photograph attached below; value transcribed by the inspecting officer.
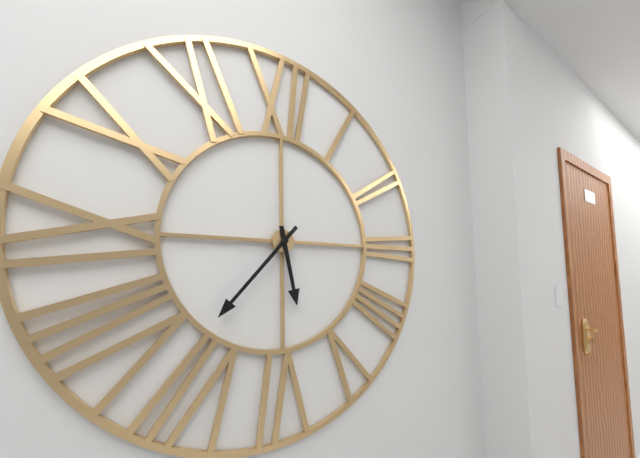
5:37
